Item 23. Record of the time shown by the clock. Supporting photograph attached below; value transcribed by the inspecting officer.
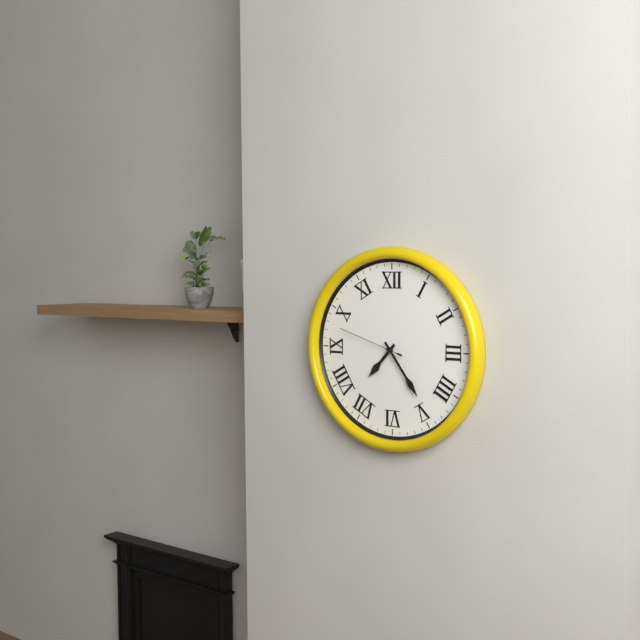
7:24:48
